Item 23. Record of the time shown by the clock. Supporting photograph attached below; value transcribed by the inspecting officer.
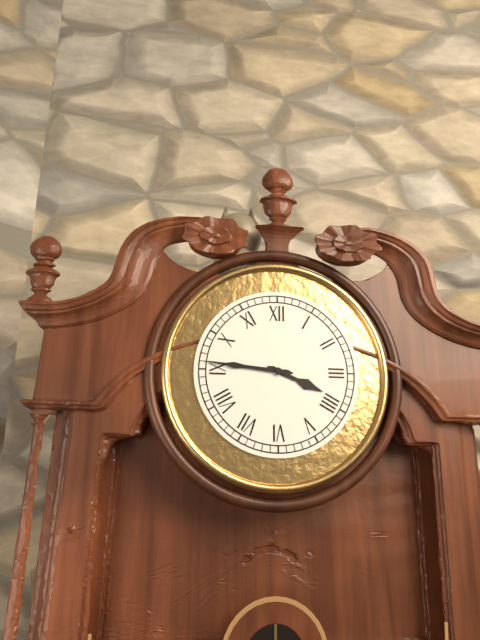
3:46
